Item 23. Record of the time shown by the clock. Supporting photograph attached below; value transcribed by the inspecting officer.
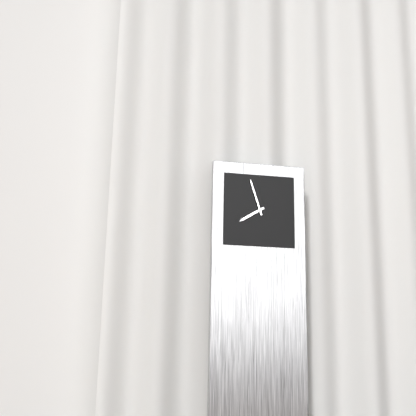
7:57
